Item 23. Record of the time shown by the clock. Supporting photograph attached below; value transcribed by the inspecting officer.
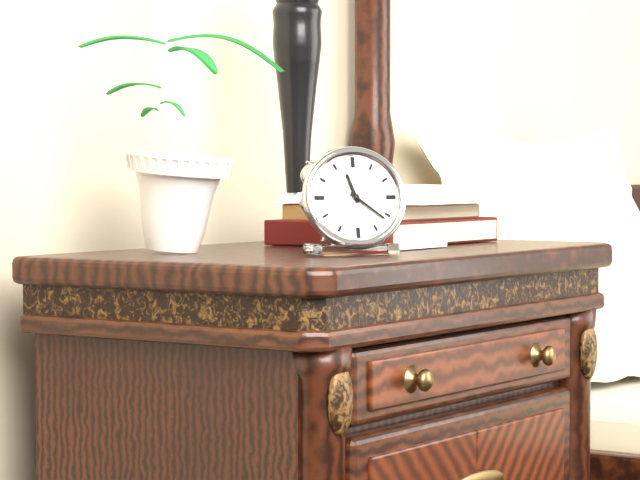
11:21
